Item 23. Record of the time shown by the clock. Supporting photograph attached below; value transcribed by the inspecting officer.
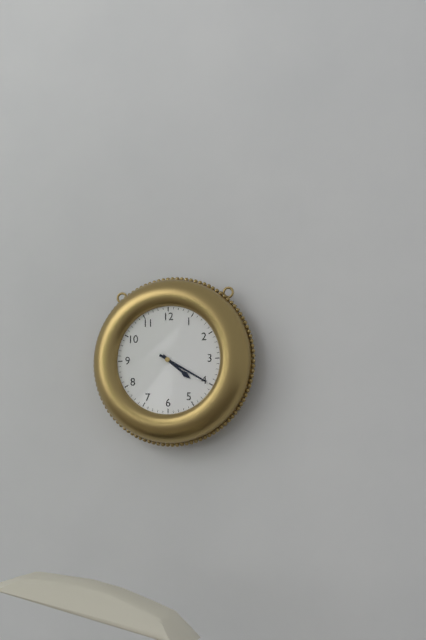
4:20
